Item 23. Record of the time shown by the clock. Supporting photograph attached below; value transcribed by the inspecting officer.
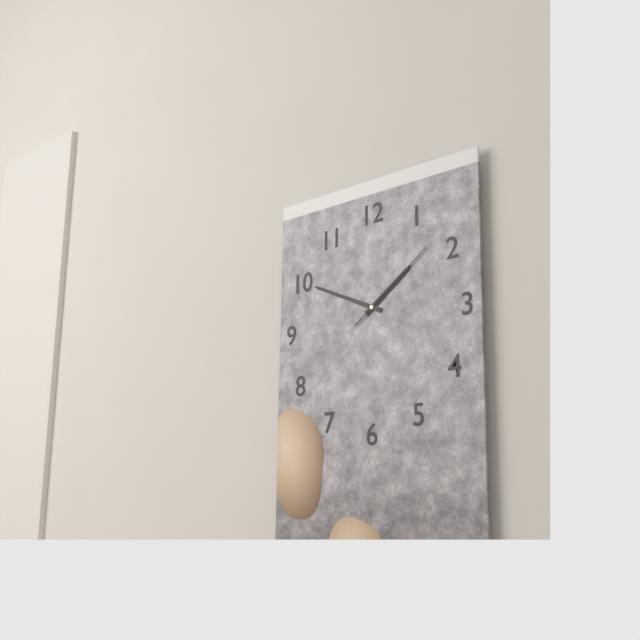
1:49:09
